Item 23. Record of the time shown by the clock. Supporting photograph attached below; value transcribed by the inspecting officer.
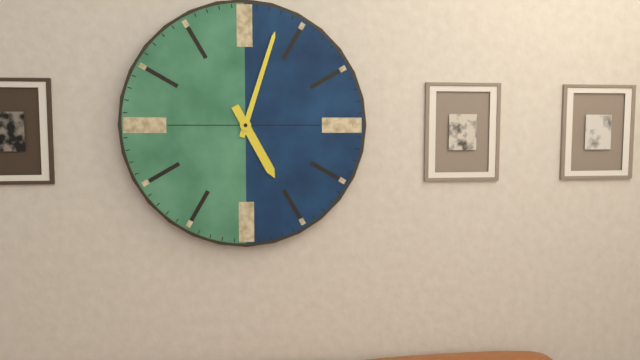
5:03
